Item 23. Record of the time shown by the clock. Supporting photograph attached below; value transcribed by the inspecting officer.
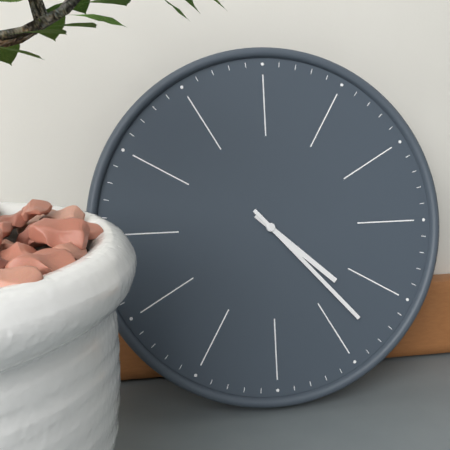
4:23
